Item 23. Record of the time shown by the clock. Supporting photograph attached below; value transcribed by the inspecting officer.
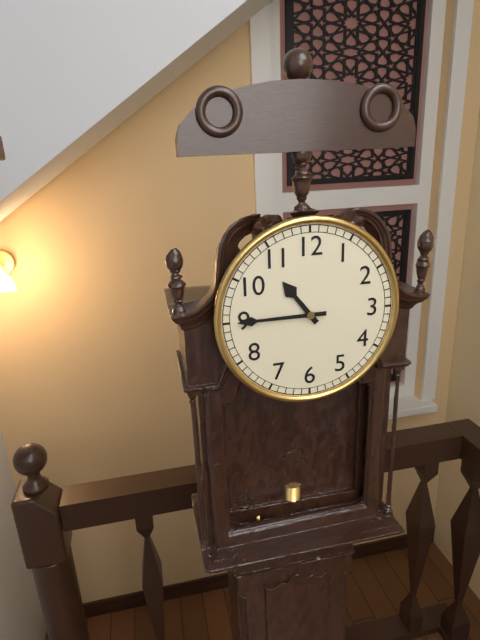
10:45
